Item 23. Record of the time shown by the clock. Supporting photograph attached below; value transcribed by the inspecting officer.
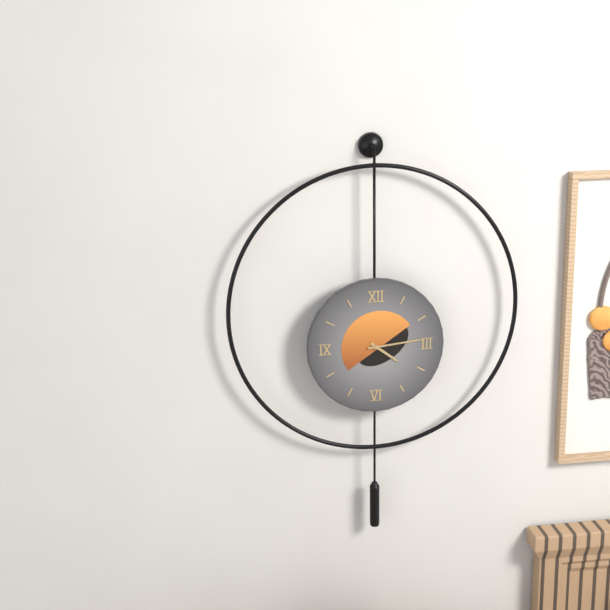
4:14
